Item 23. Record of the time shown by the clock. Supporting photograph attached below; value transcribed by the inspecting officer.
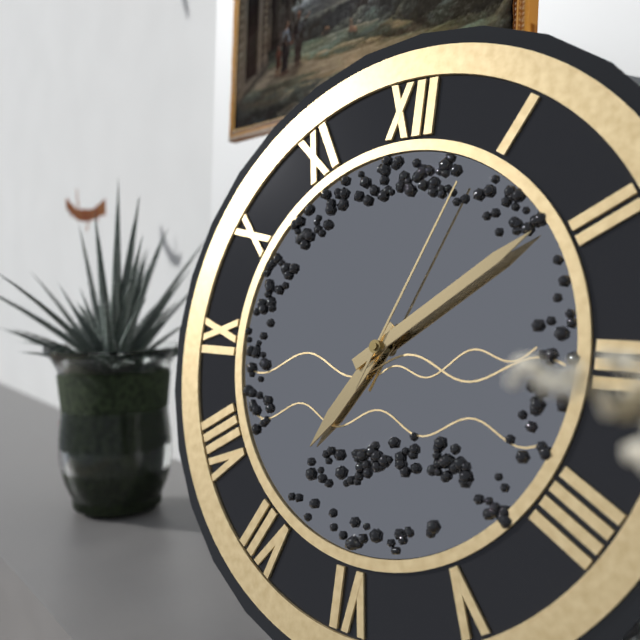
7:09:04
